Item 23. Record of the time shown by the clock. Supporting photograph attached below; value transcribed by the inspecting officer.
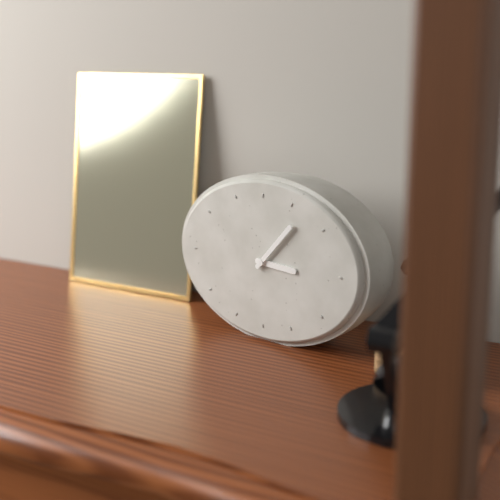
3:07
